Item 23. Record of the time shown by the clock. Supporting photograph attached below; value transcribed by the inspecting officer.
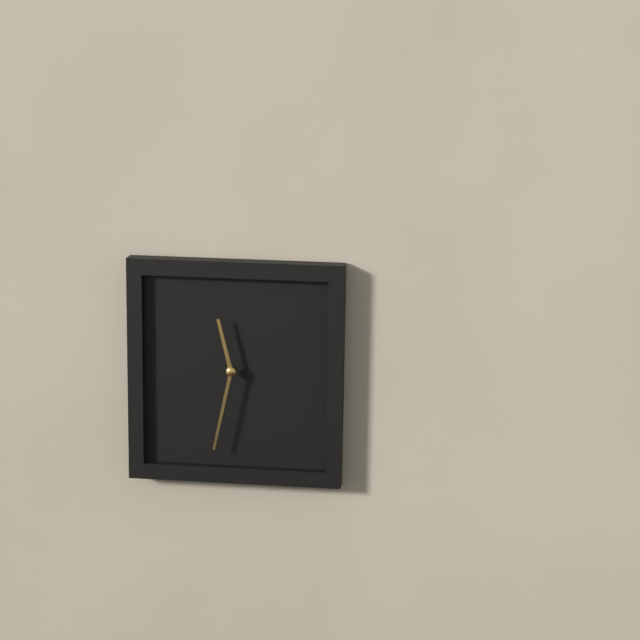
11:32
